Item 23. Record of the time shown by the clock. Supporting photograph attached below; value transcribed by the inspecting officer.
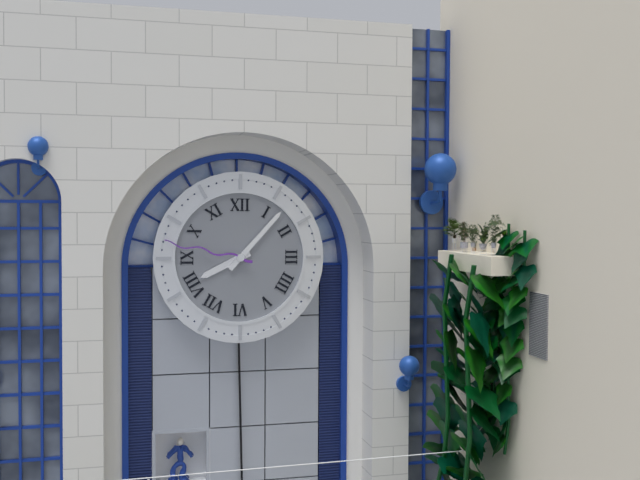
8:07:47
